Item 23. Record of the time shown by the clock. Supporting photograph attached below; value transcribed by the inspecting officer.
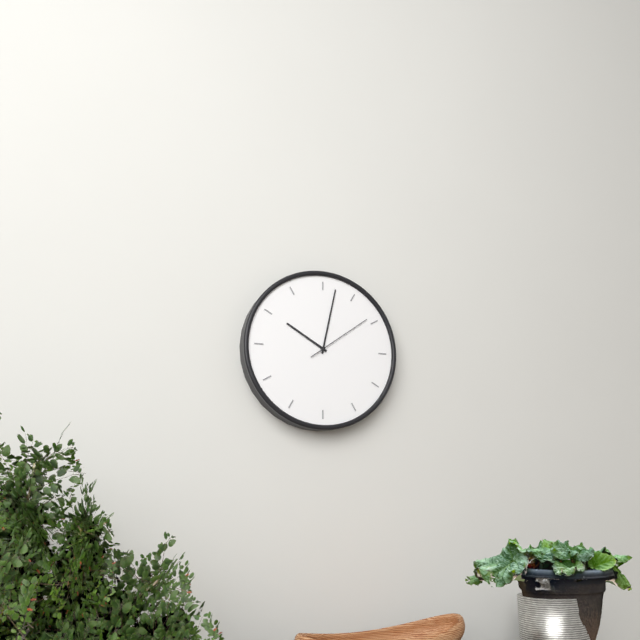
10:02:09
